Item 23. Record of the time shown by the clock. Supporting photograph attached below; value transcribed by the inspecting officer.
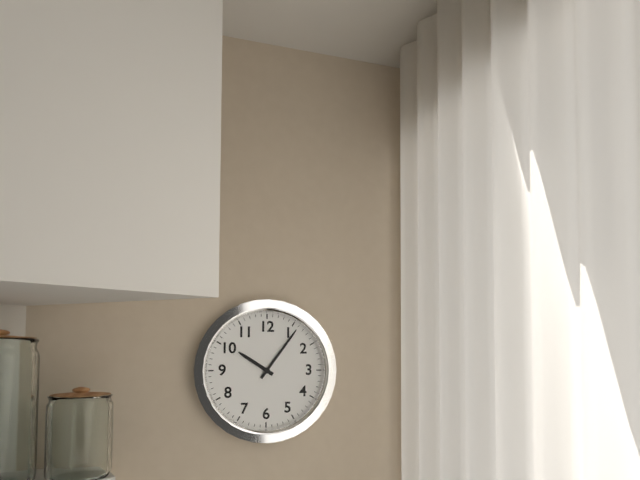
10:06
